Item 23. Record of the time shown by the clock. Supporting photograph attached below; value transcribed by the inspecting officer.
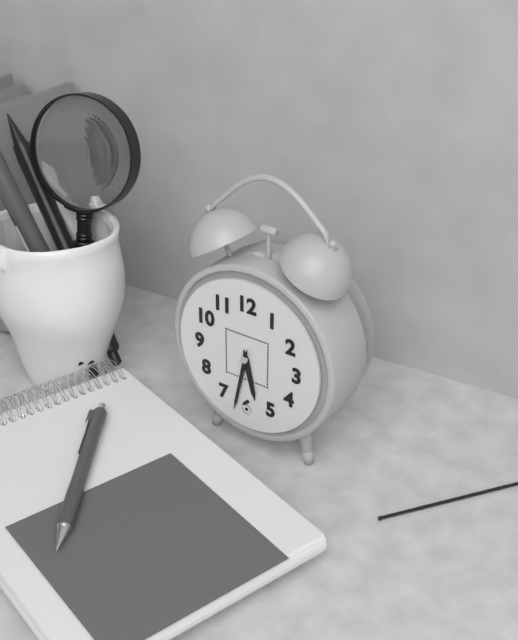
5:32
